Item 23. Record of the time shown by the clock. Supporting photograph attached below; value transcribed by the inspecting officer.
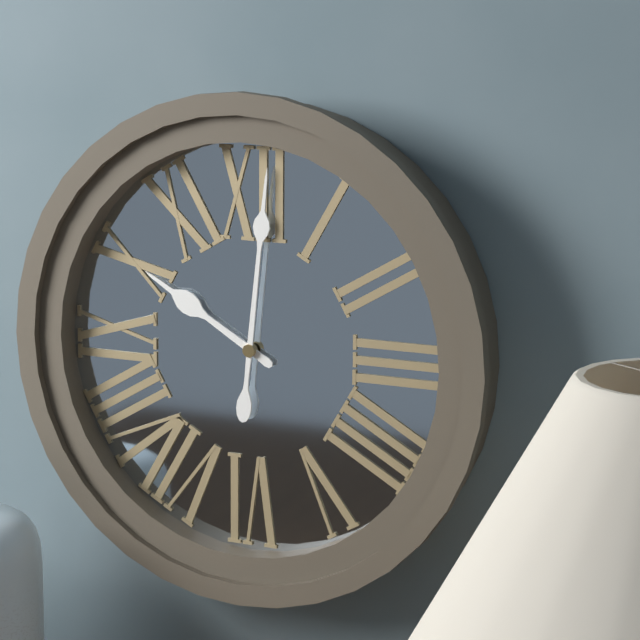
10:01
